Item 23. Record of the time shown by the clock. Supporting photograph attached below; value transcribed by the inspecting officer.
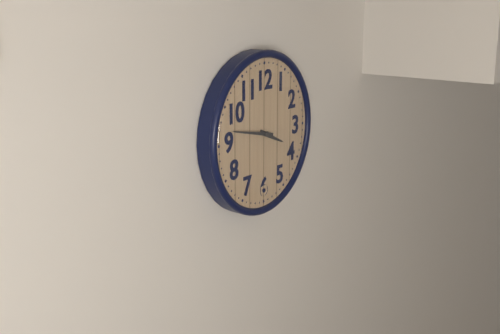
3:47
